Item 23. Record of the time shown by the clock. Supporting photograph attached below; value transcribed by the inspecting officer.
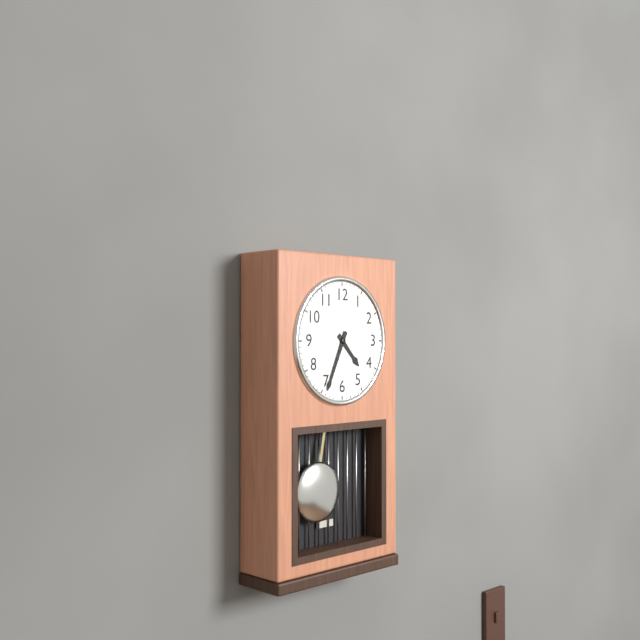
4:34
